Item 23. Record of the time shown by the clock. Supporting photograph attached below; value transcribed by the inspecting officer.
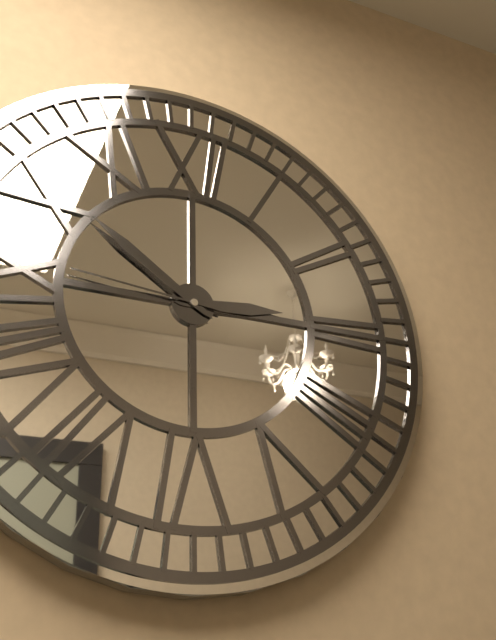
2:51:46
